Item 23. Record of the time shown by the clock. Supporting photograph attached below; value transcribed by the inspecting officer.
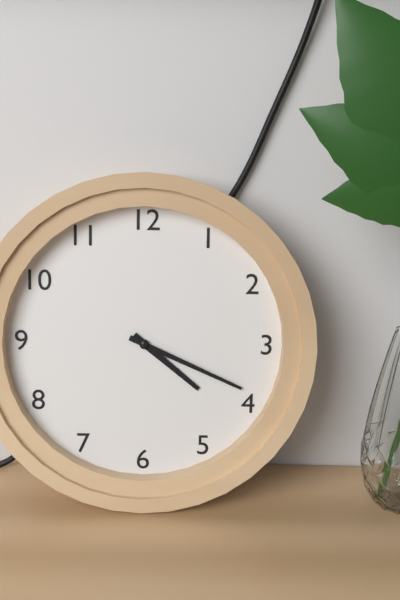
4:19
